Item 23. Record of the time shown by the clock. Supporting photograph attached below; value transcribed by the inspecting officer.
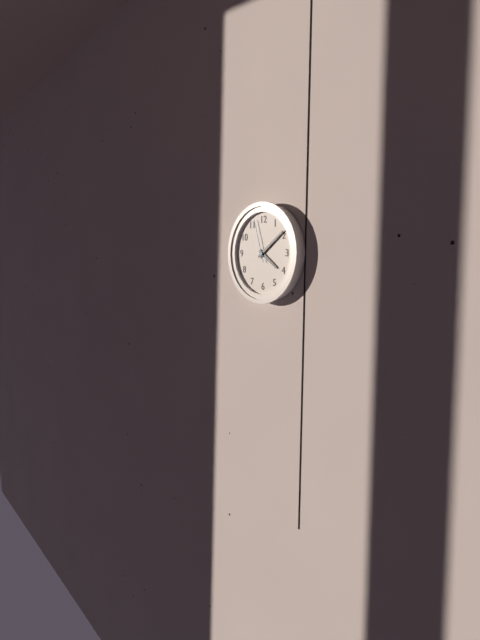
4:09
